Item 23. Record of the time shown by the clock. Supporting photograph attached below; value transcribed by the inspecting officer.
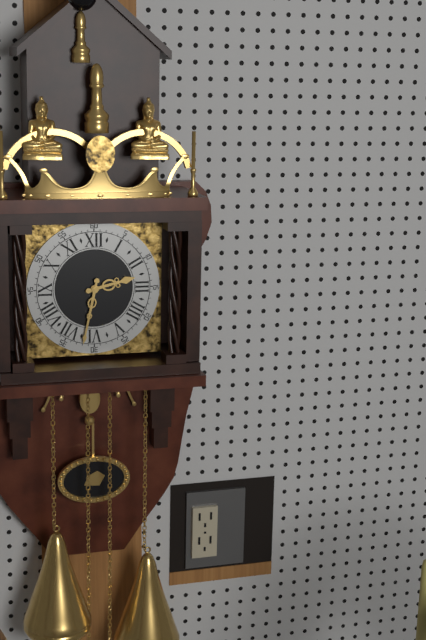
2:32
